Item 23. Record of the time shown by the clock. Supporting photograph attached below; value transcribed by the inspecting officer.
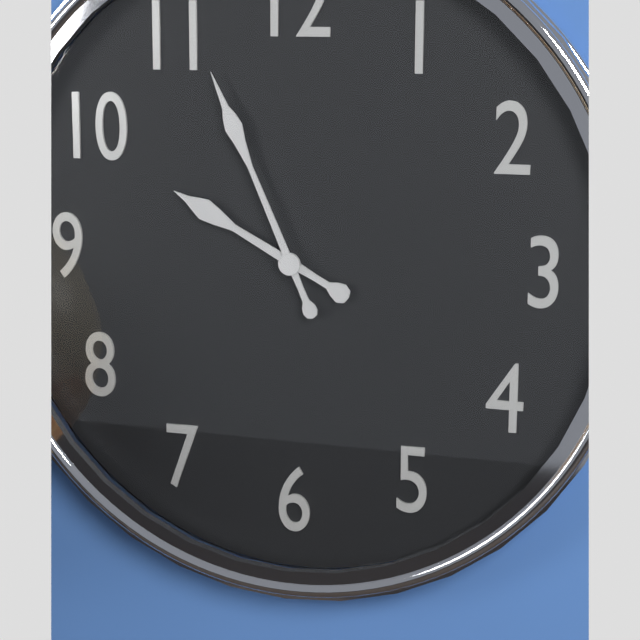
9:56
